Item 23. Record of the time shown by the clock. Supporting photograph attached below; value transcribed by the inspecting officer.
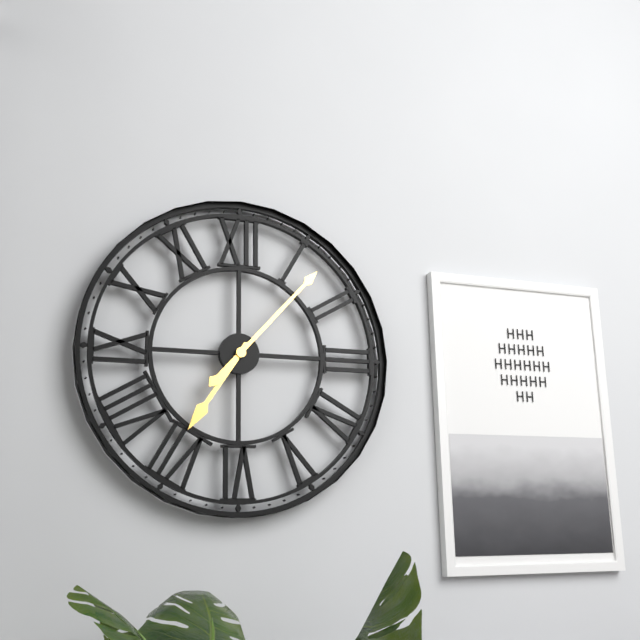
7:07
